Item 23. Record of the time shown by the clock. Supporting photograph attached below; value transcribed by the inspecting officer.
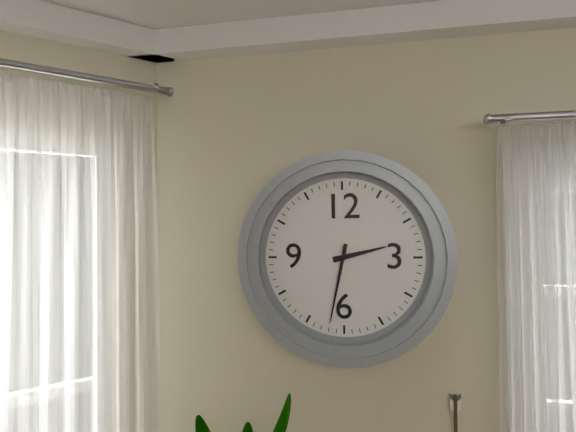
2:32
